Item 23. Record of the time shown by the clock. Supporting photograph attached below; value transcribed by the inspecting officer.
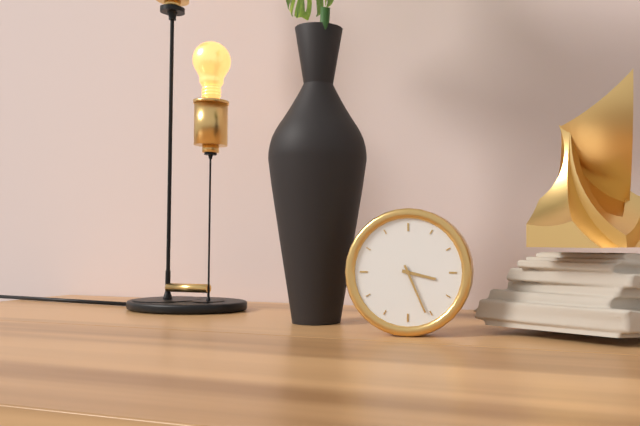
3:26
